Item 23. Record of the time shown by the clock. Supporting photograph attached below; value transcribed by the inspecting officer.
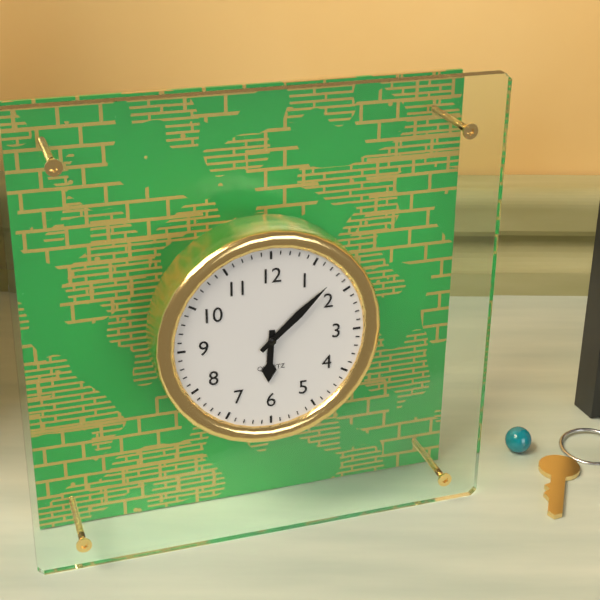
6:08
